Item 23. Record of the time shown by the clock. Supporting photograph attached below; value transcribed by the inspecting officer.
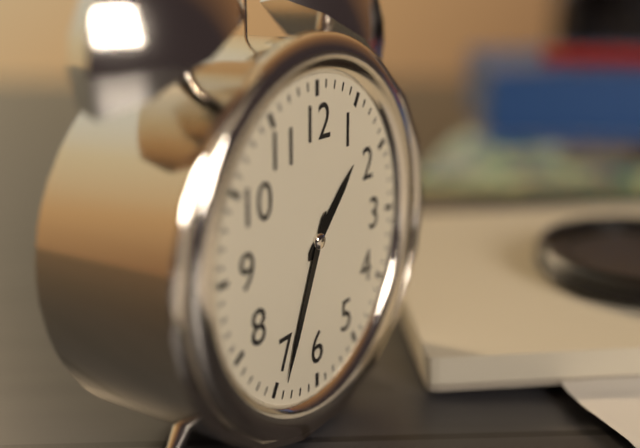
1:34
